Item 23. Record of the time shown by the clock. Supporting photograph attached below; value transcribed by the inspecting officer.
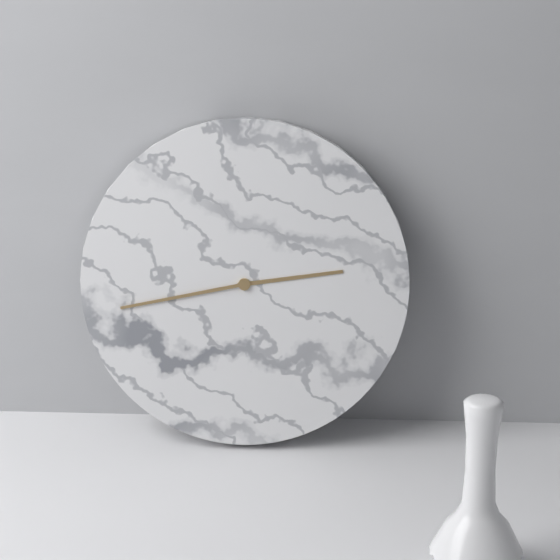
2:43
